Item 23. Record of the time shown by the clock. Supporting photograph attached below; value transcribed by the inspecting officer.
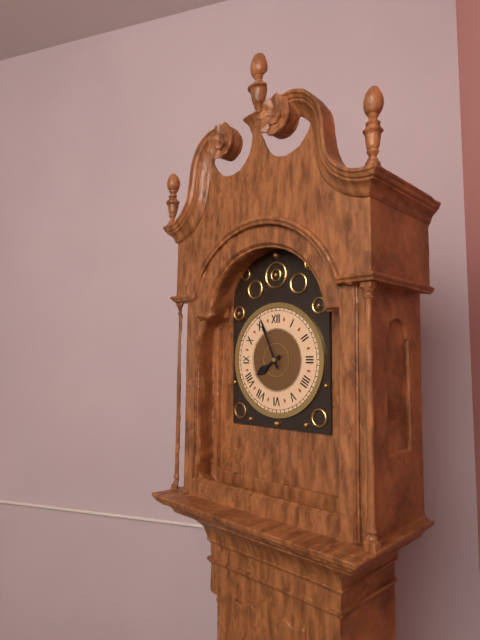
7:56
